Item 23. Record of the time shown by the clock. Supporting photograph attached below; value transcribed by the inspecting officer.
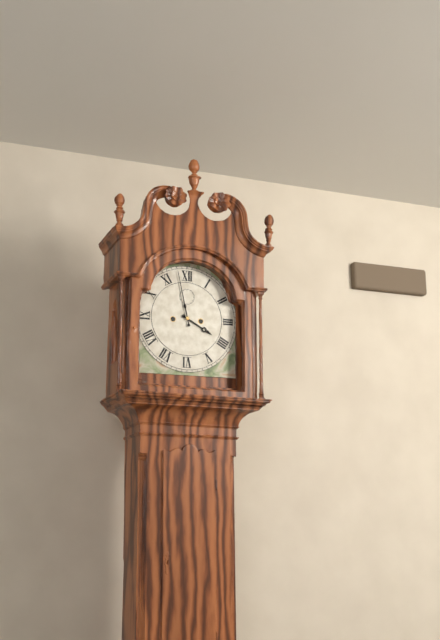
3:58
